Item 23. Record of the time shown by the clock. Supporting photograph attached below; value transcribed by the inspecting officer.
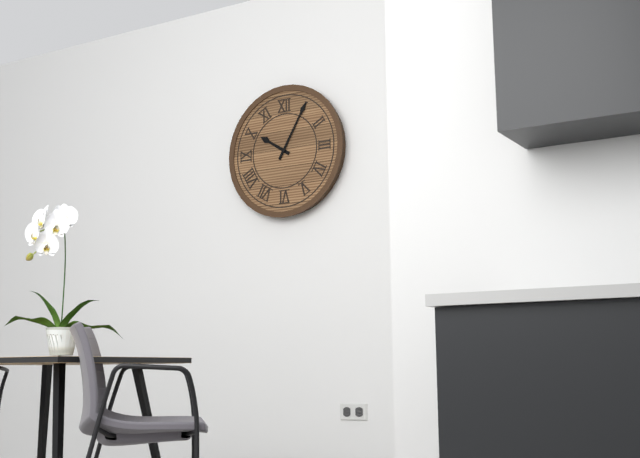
10:05
